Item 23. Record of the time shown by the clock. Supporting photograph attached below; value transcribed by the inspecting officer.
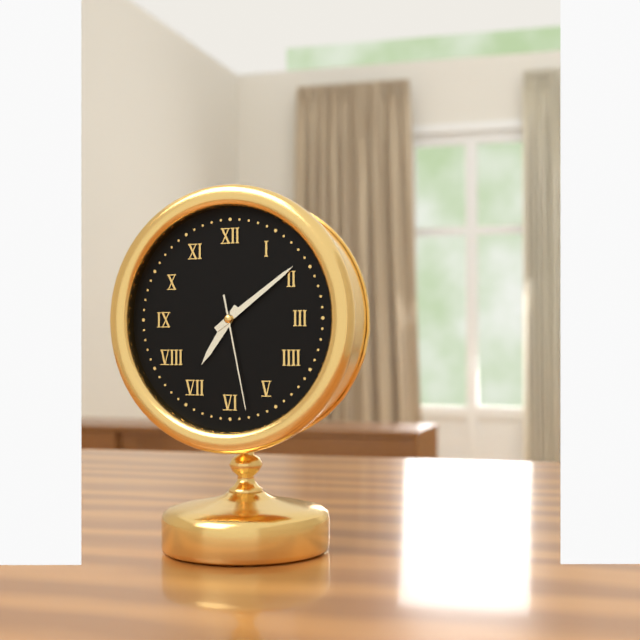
7:09:28
